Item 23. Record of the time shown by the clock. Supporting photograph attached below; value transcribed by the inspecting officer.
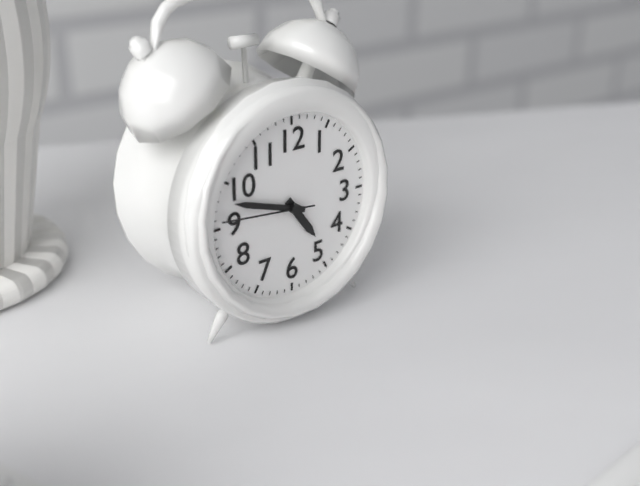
4:48:46
